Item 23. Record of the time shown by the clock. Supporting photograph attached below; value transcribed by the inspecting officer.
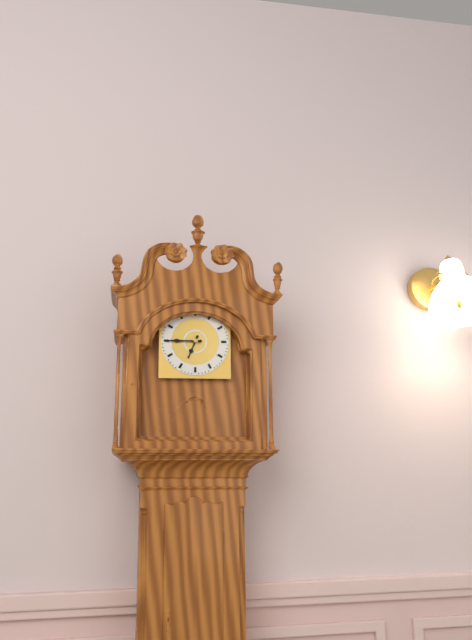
6:45
